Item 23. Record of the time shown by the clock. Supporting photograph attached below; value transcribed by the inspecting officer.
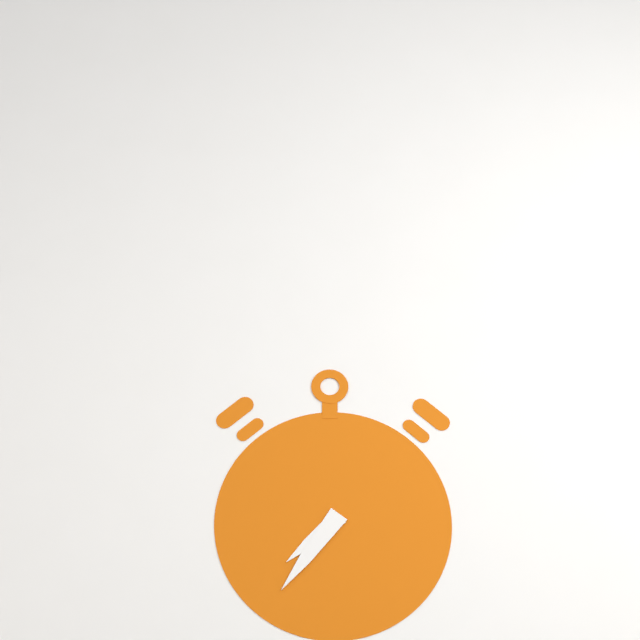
7:36
